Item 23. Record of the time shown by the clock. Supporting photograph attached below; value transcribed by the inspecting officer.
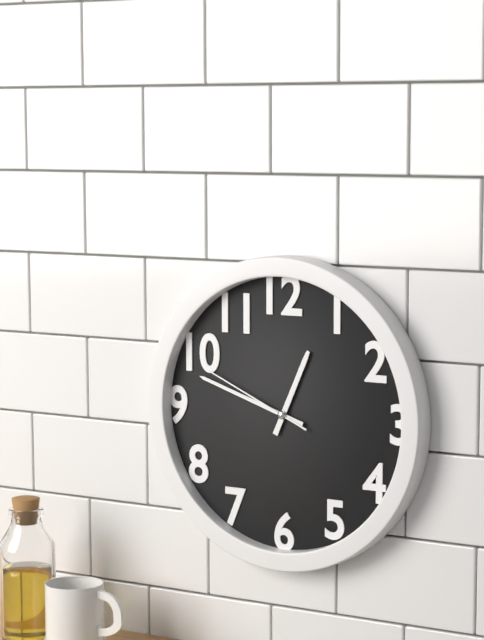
12:48:49
